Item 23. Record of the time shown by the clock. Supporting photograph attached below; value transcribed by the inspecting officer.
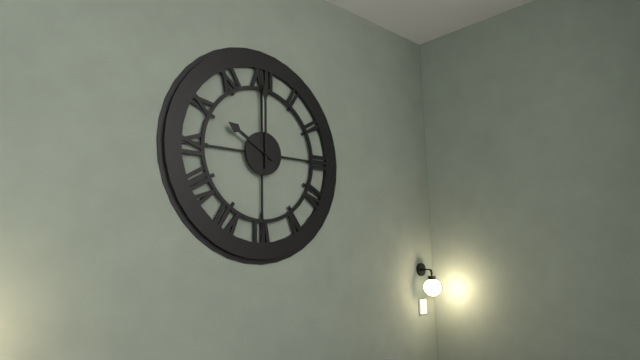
10:00
